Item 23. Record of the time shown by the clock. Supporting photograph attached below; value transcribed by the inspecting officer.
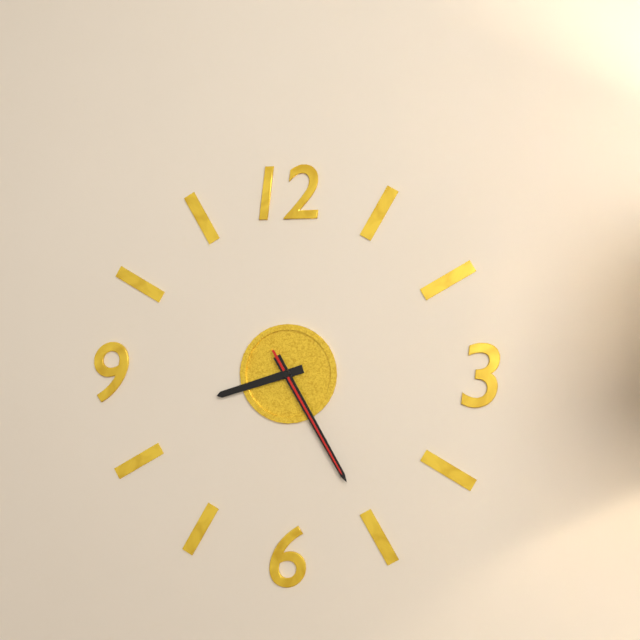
8:25:25
